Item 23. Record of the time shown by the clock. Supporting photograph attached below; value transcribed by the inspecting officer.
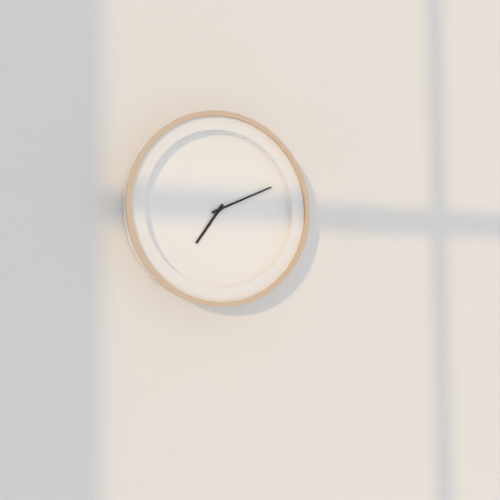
7:11
